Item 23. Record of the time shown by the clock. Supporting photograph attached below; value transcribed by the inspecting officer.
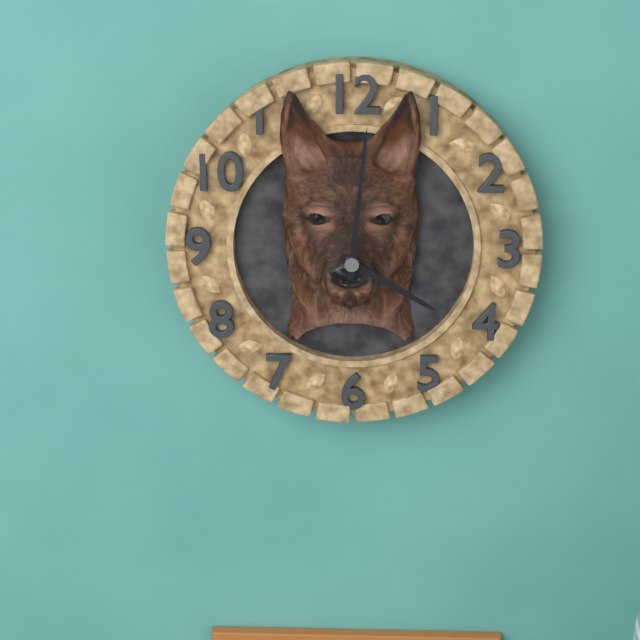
4:01
